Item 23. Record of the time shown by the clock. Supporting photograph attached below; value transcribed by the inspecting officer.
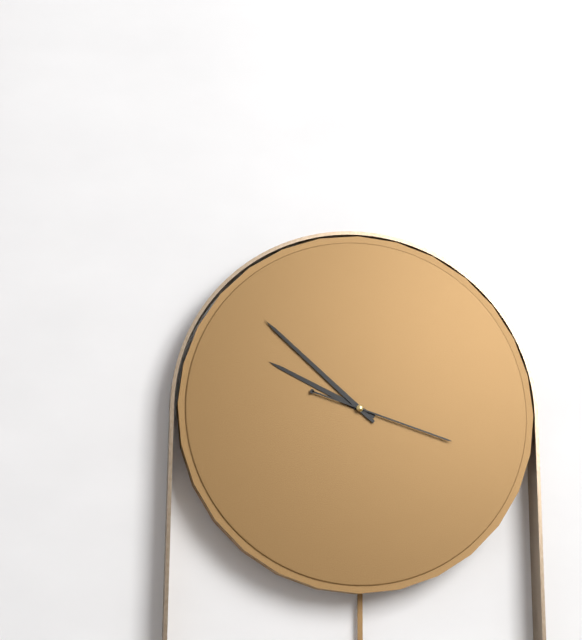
9:52:18
